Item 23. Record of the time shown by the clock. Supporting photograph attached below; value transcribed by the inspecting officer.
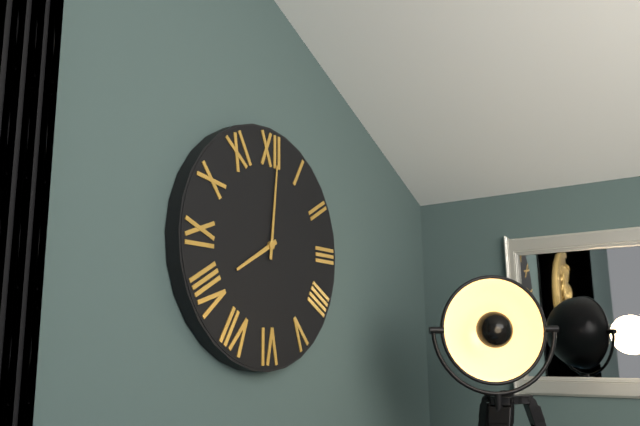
8:01
